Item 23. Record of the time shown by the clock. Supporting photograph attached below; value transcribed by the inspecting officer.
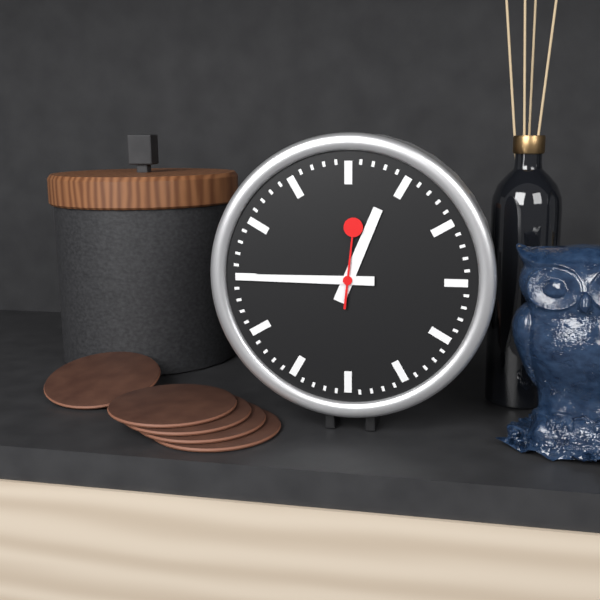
12:45:01
